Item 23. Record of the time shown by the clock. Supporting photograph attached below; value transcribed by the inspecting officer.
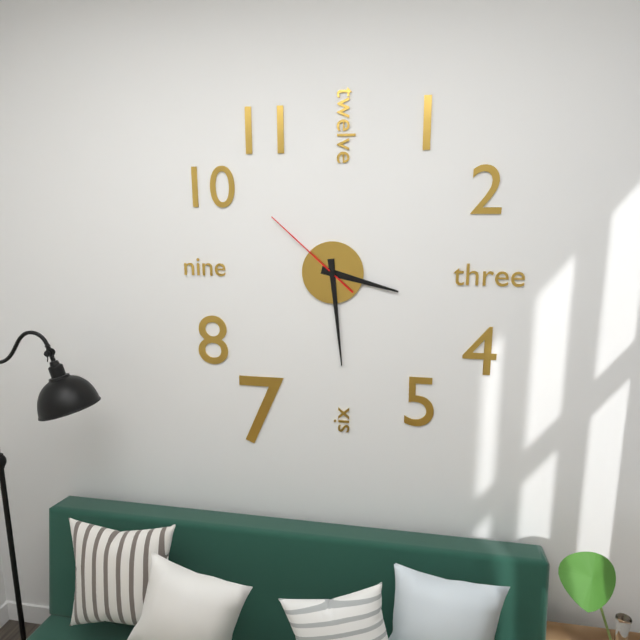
3:29:52
